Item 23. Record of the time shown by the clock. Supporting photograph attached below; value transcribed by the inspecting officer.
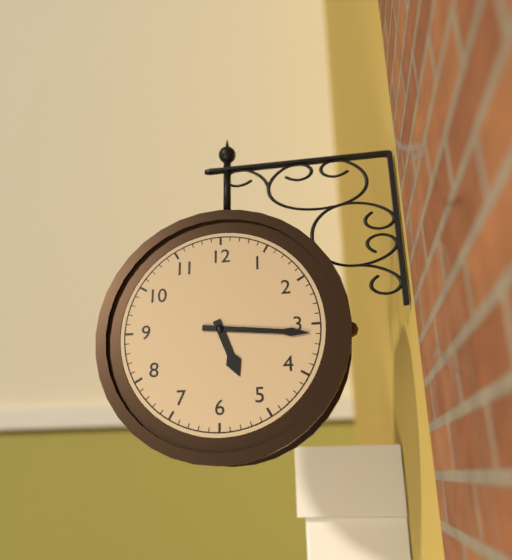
5:16
